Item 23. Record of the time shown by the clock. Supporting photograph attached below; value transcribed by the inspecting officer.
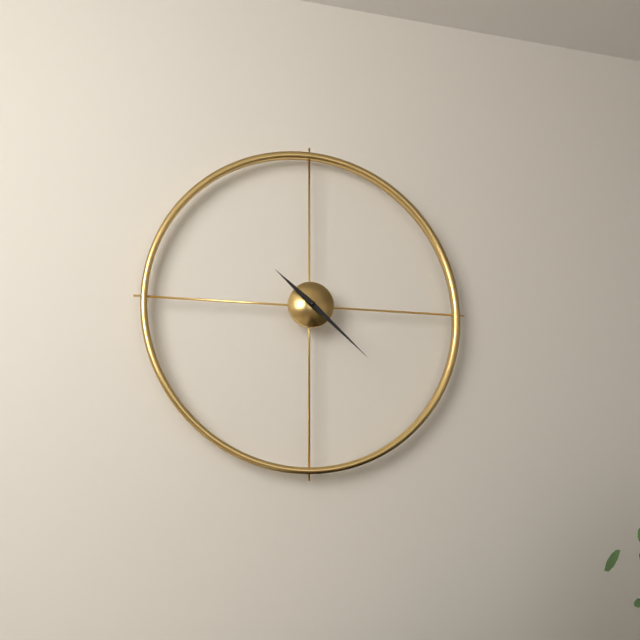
10:22
